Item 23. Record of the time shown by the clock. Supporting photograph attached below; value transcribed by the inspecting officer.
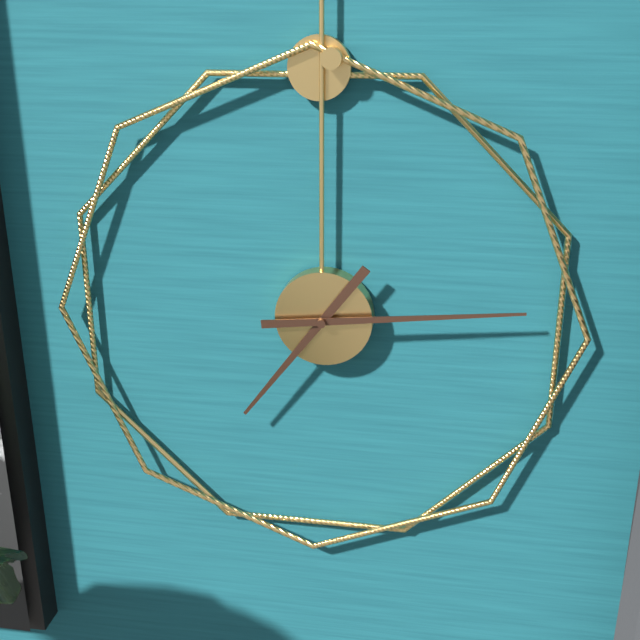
7:14
